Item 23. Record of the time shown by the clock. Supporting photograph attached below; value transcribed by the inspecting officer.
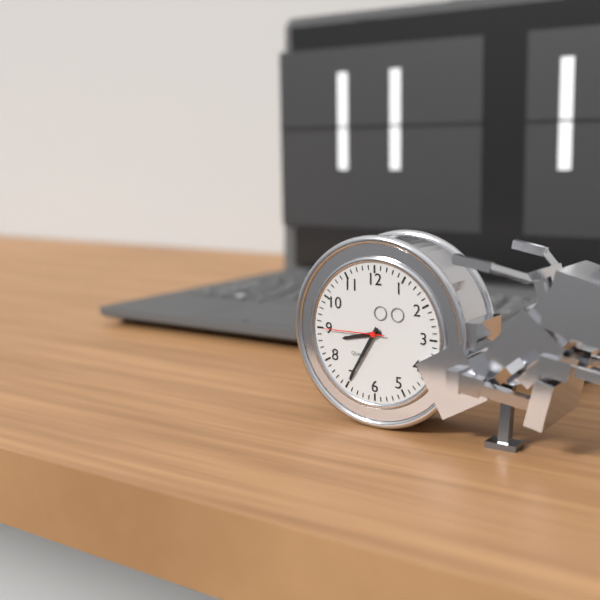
8:35:45
